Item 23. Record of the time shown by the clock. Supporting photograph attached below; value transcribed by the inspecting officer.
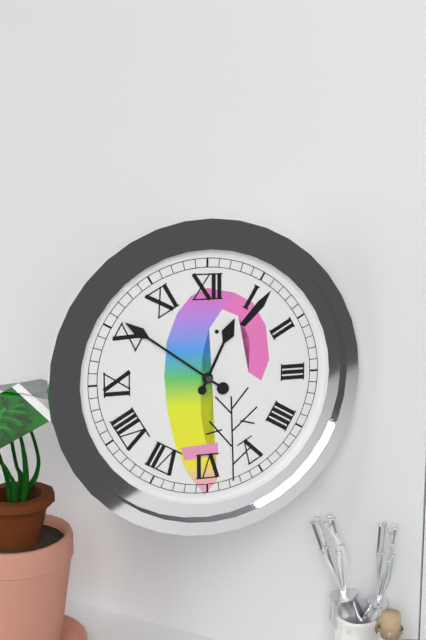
12:51
